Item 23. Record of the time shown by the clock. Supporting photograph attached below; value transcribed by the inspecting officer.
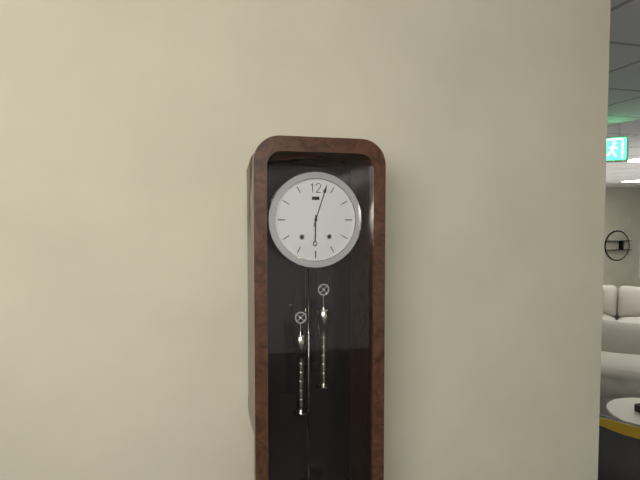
6:03
